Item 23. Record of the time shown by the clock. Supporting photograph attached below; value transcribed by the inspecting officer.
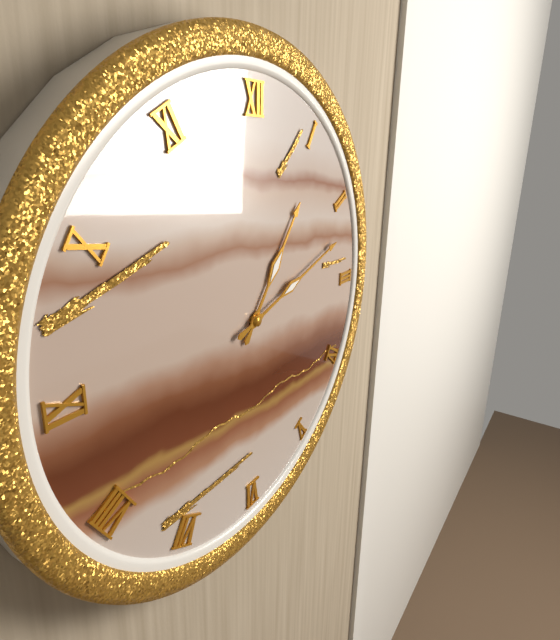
1:12
